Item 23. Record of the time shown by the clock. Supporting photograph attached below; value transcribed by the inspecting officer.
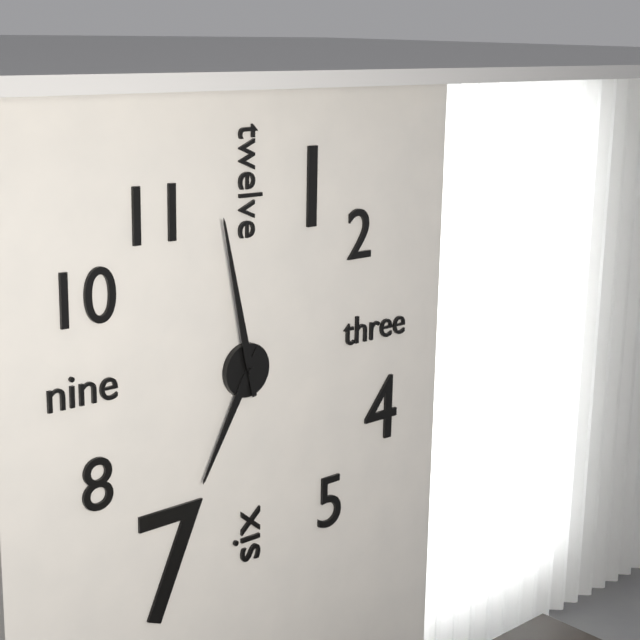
6:58
